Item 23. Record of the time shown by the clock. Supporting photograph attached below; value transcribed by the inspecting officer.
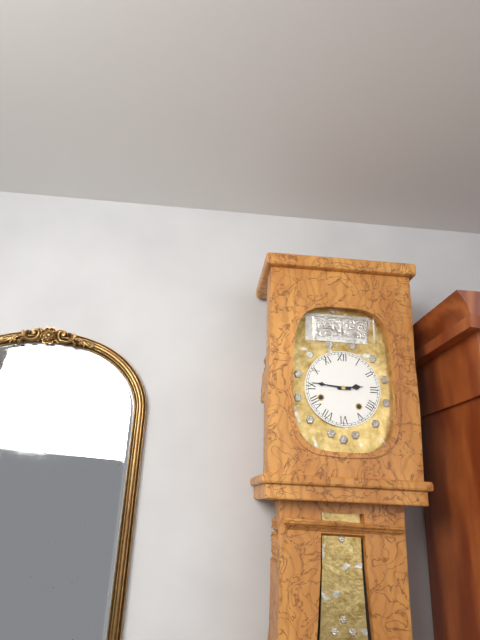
2:46
